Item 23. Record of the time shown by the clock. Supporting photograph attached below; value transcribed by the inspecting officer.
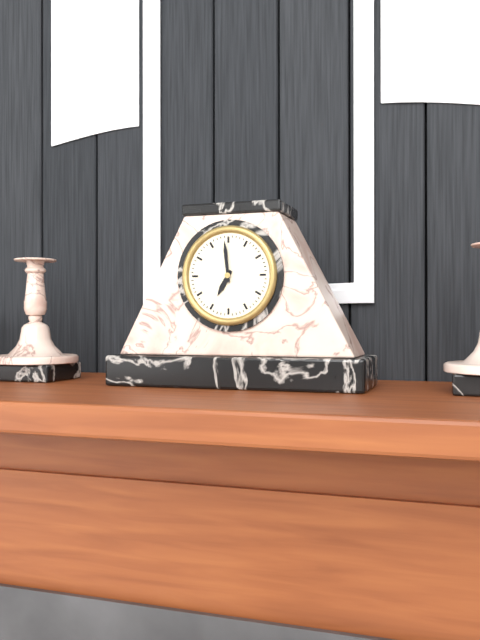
6:59
